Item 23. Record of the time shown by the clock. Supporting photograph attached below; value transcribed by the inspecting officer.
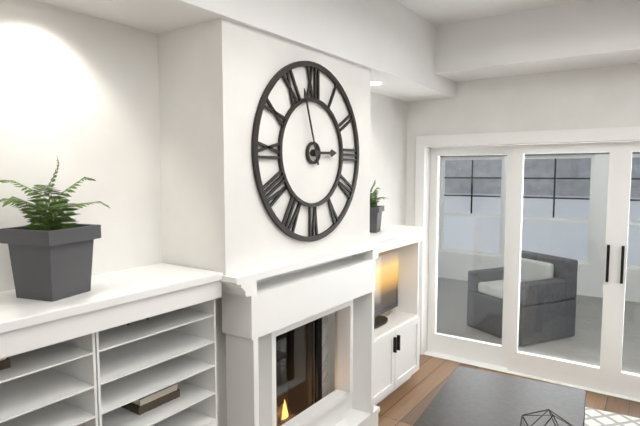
2:57
